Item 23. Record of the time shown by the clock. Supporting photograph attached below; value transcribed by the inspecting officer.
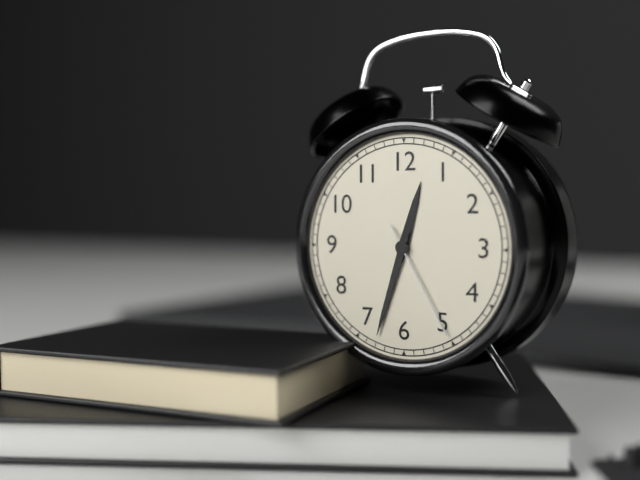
12:33:25
